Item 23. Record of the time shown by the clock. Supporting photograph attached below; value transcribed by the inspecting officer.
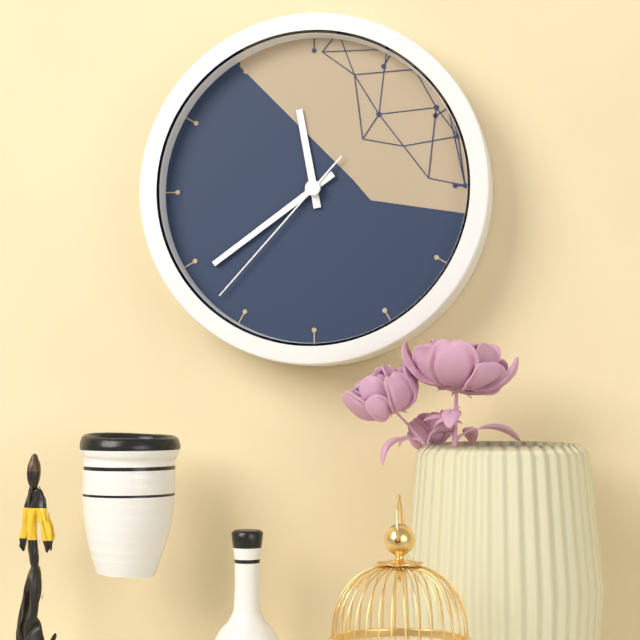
11:39:37
